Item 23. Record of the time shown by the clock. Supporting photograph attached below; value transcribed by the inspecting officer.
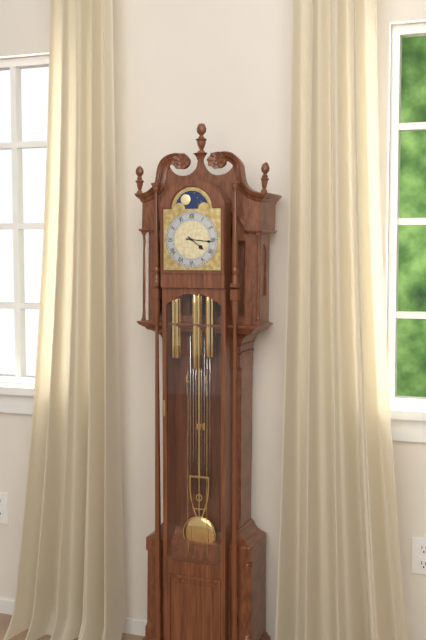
4:16
